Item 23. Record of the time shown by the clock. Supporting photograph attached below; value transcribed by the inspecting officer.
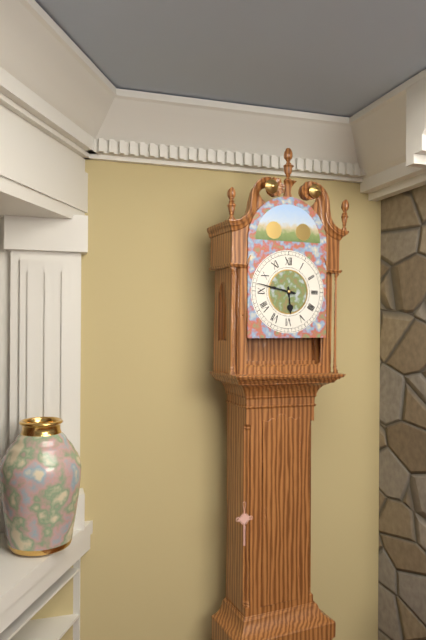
5:47
